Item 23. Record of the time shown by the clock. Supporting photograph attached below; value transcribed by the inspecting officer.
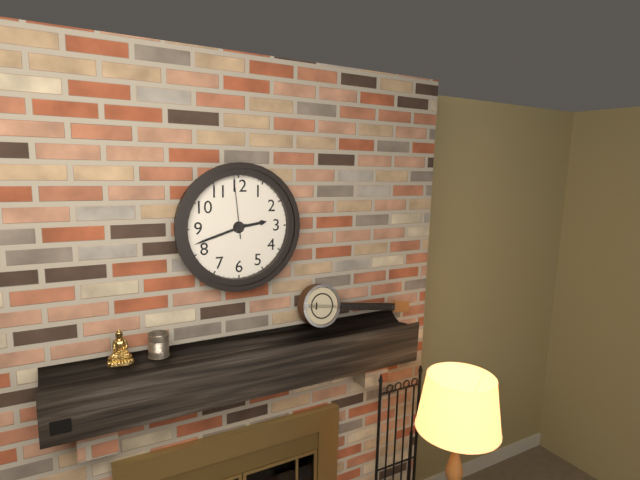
2:42:59
